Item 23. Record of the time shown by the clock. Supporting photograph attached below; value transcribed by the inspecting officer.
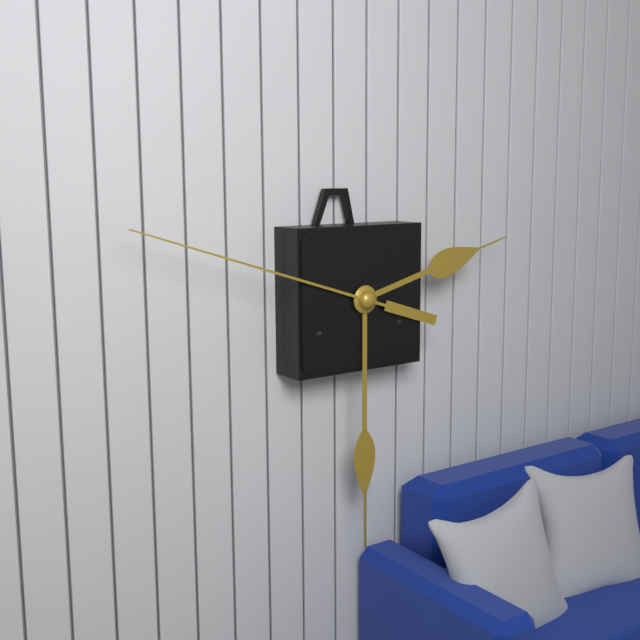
2:30:48
